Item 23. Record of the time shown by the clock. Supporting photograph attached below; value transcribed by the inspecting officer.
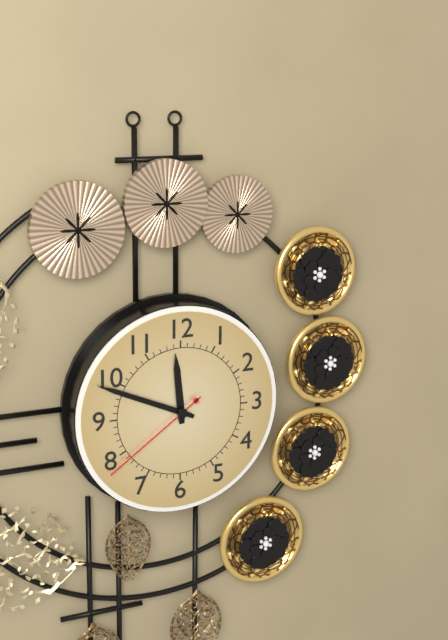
11:49:39
